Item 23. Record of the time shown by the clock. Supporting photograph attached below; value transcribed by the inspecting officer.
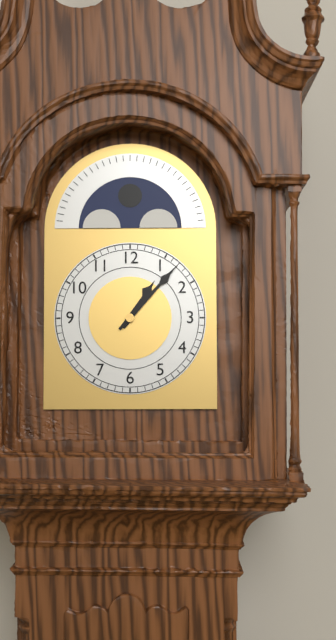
1:07
